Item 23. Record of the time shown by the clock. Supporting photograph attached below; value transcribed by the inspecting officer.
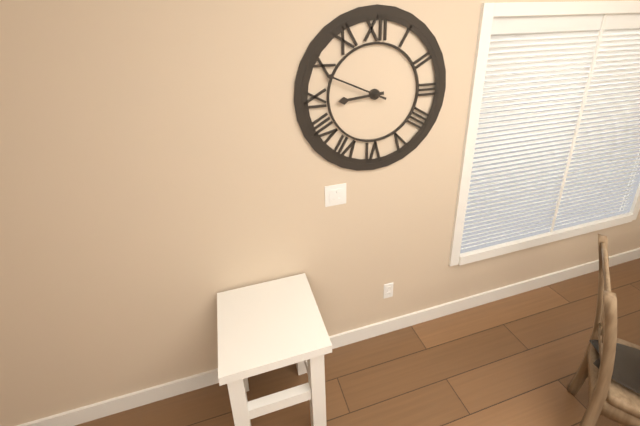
8:49
